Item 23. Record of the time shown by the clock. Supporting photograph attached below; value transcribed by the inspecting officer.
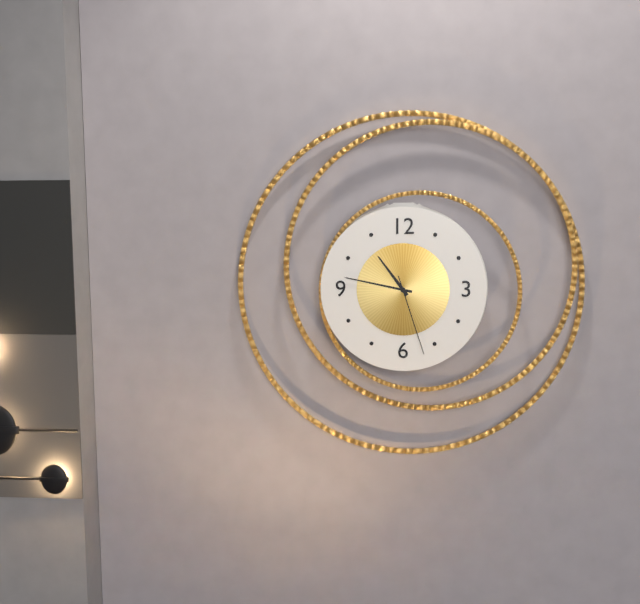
10:47:27
